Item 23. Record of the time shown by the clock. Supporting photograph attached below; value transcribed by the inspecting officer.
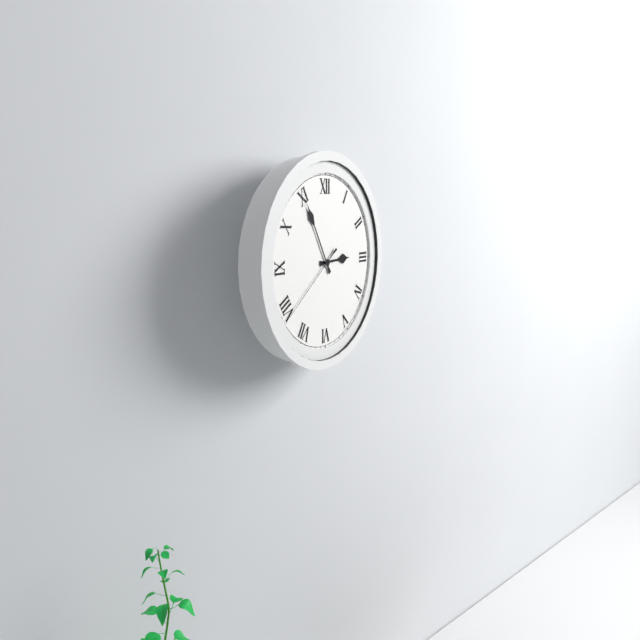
2:55:39
